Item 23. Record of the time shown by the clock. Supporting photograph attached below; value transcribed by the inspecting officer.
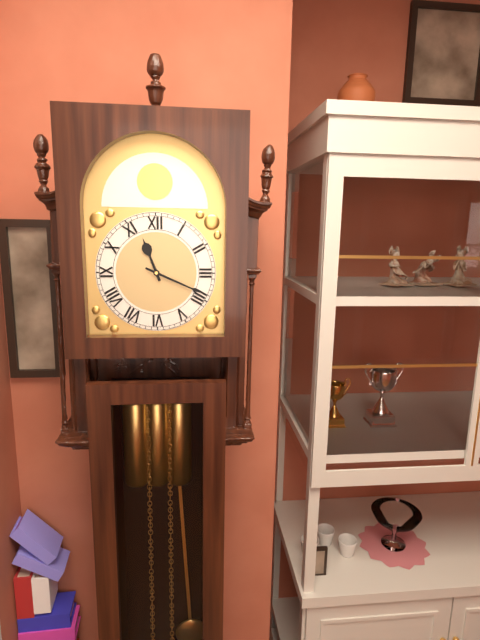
11:19
